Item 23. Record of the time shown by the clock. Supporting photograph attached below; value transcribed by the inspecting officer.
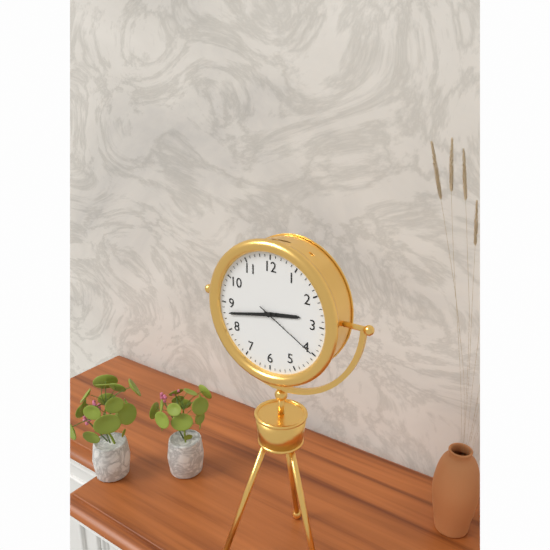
2:43:20
